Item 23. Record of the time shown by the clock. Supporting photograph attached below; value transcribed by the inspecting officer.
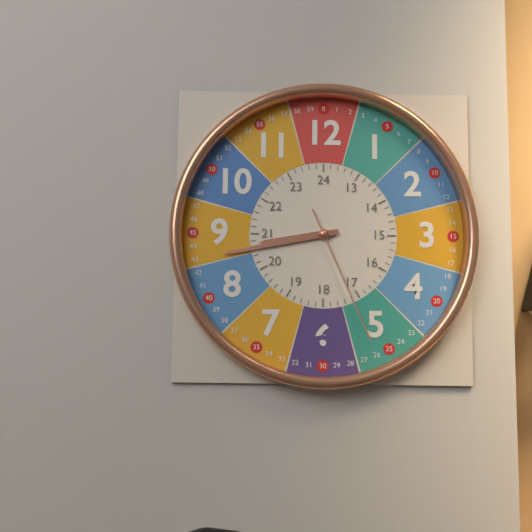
8:43:26
